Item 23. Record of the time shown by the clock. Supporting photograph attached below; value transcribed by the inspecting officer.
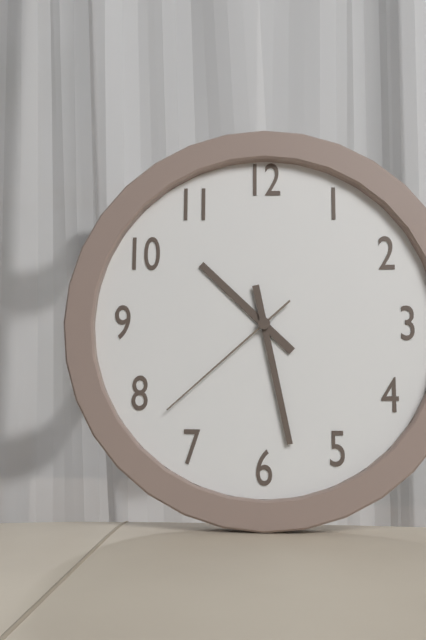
10:28:38
